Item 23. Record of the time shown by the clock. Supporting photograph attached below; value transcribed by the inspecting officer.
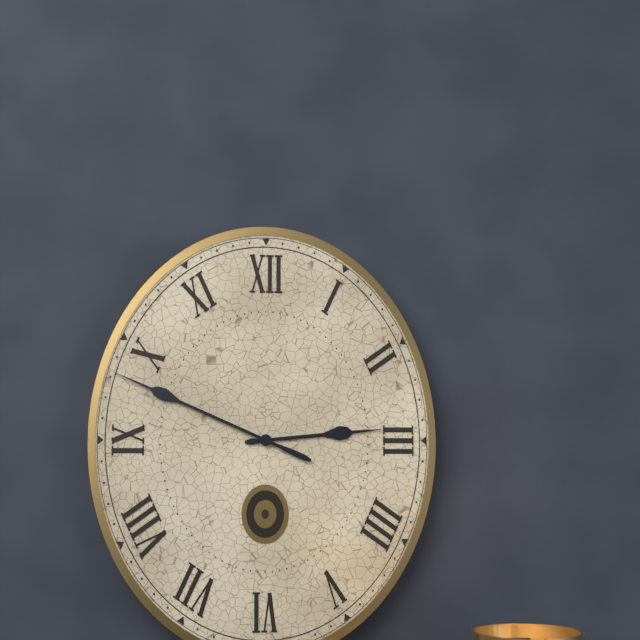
2:49
